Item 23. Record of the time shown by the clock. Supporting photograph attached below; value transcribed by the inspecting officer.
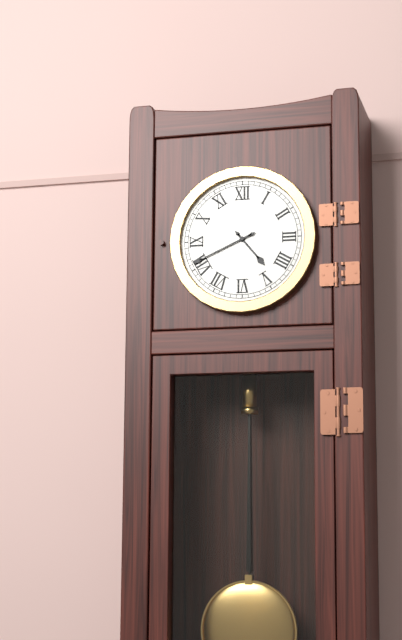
4:41
